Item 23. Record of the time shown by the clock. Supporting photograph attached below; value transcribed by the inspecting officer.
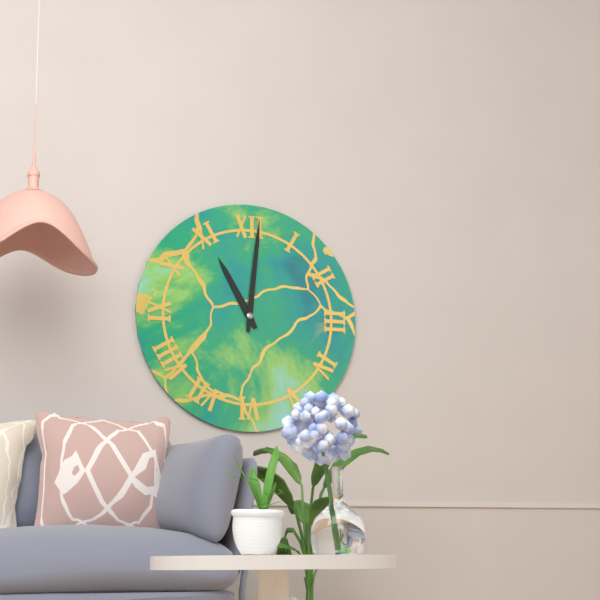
11:01
